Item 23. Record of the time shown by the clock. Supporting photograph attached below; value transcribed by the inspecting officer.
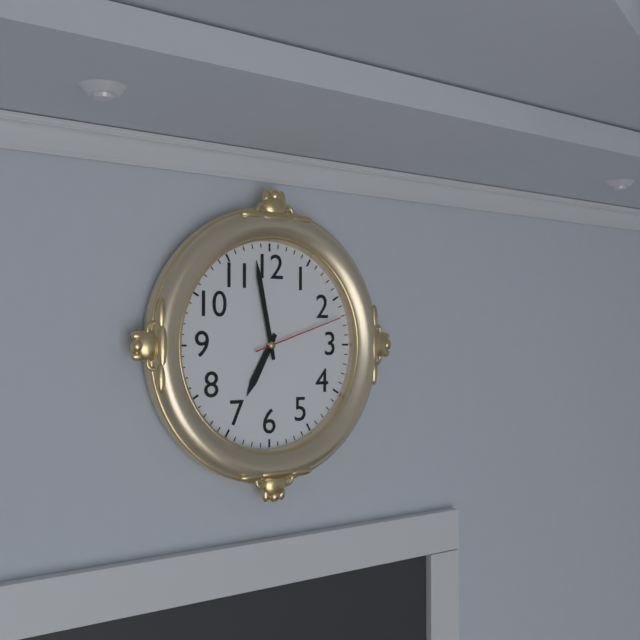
6:58:12
